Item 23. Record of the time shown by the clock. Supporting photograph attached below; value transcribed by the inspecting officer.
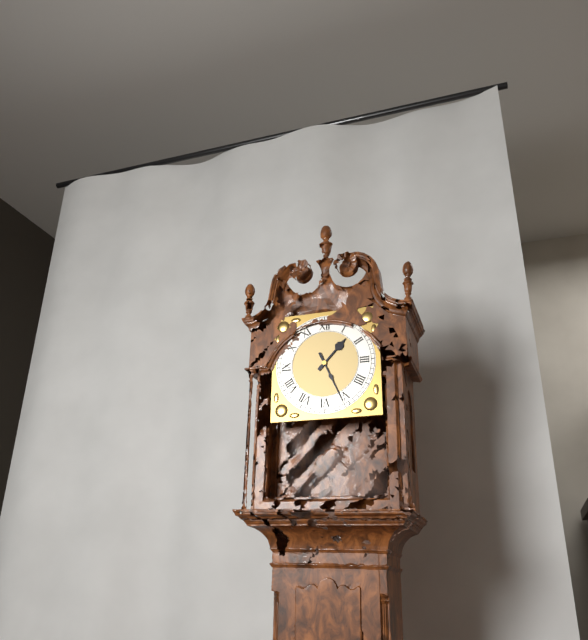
1:26
